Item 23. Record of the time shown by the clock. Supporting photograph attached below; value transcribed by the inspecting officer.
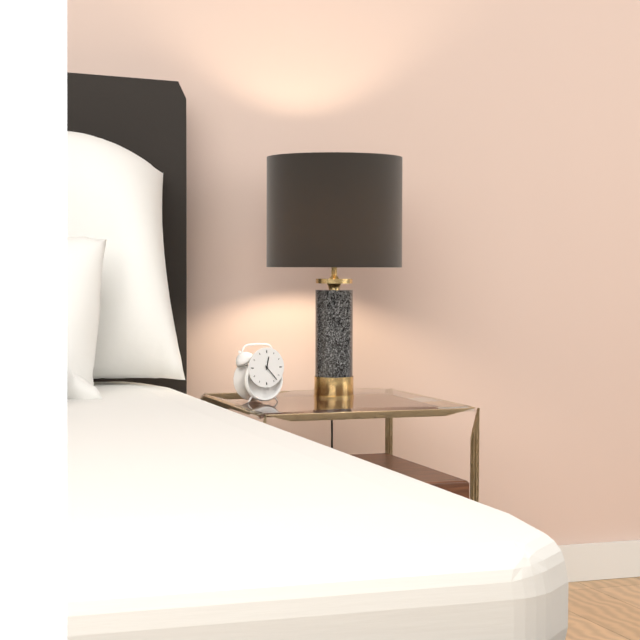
12:23
